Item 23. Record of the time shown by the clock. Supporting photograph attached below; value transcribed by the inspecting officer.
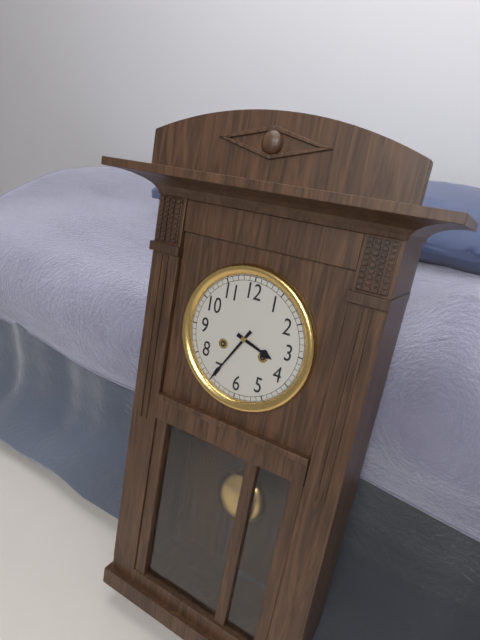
3:35
